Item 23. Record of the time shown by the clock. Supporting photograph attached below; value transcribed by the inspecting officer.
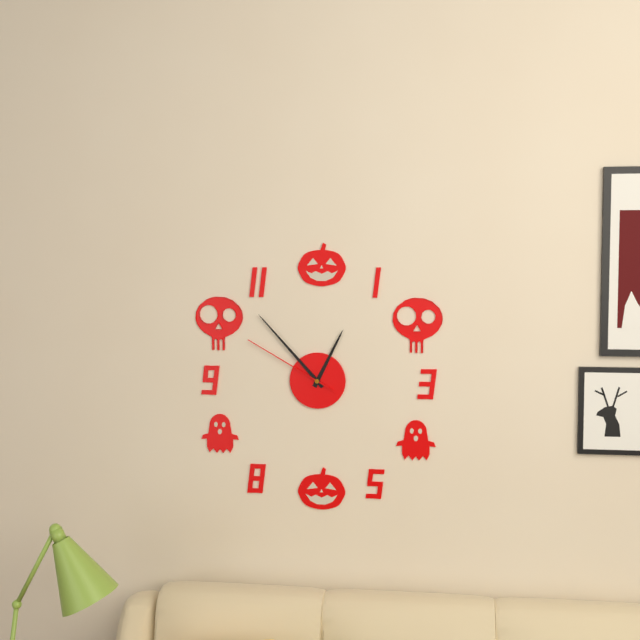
12:53:50
